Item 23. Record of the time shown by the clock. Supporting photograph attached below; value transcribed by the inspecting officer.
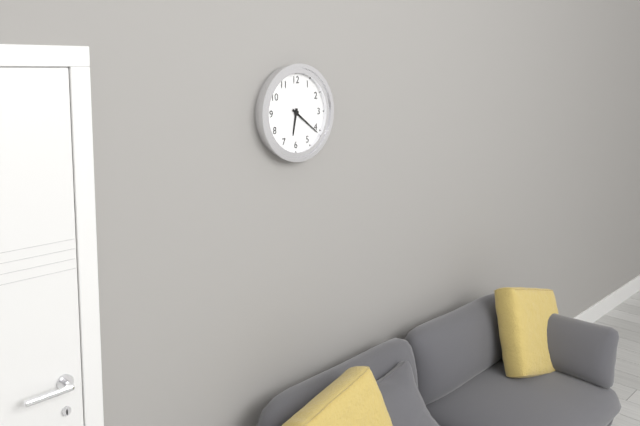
6:21
